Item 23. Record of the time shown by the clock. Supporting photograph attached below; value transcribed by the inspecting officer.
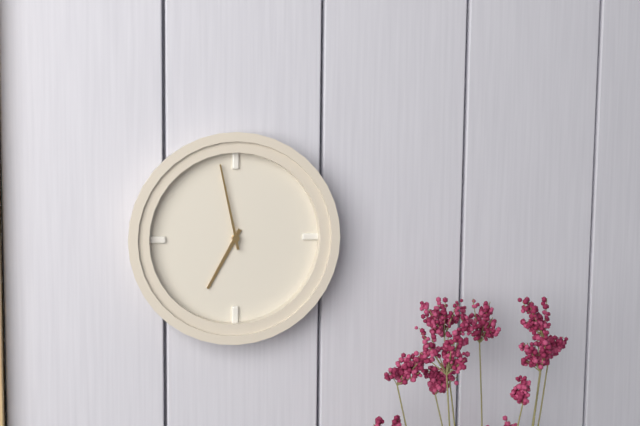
6:58
